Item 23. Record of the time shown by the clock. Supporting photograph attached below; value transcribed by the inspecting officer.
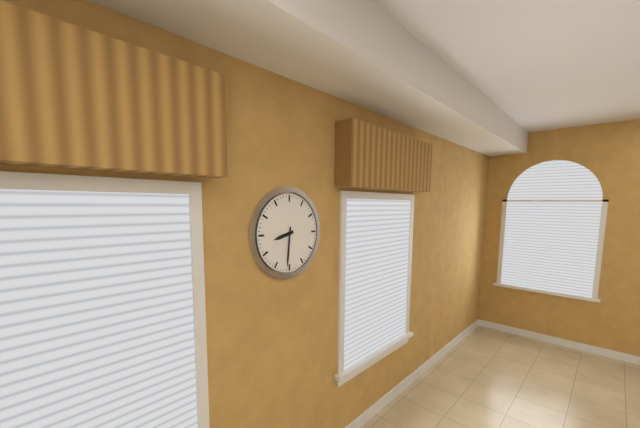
8:31
